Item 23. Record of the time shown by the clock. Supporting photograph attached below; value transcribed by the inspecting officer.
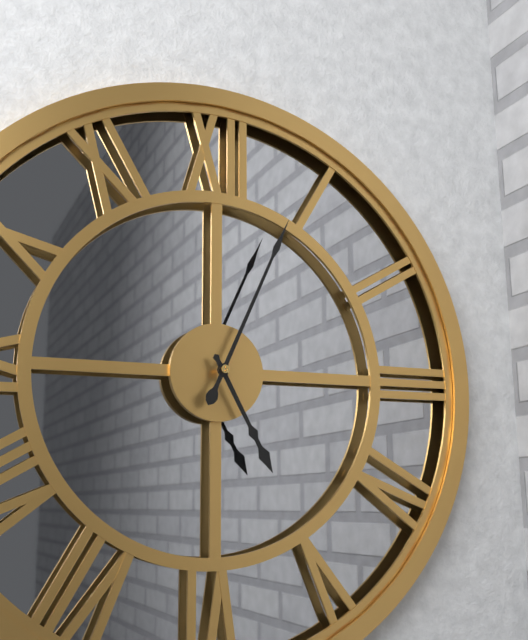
5:04
